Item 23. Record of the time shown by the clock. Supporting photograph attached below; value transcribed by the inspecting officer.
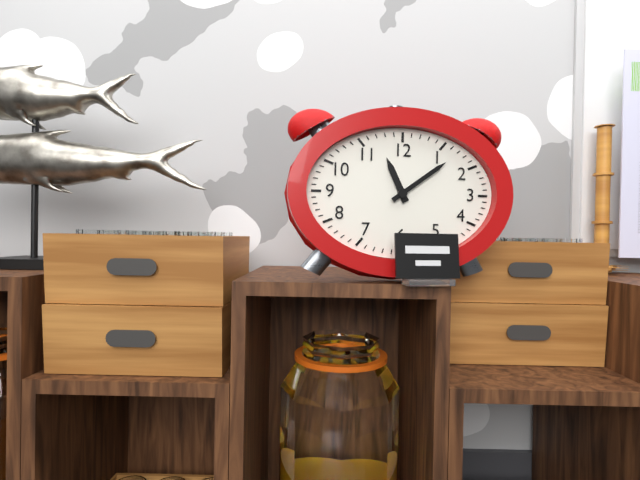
11:09
